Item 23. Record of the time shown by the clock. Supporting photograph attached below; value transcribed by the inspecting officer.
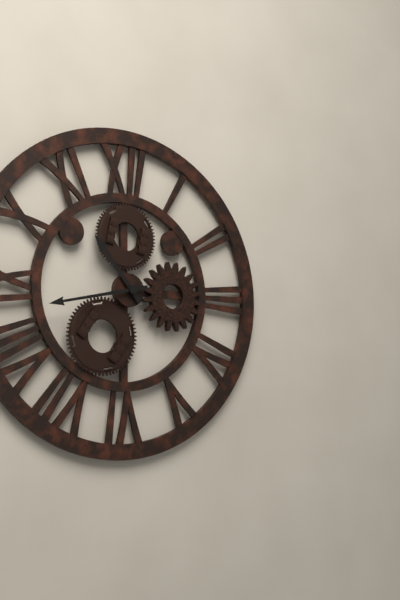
10:43
